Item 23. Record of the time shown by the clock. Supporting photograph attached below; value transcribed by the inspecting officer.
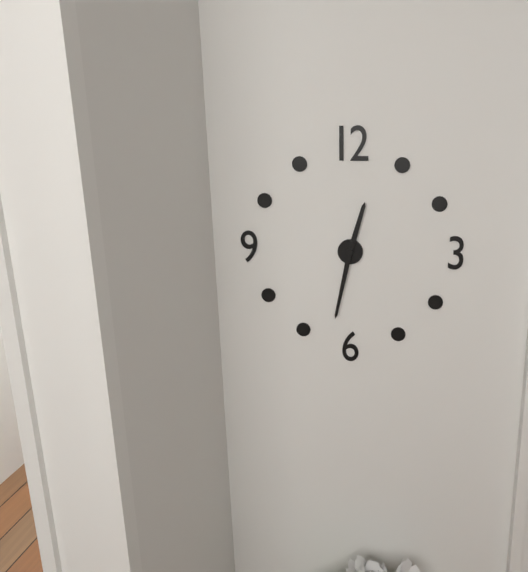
12:32
